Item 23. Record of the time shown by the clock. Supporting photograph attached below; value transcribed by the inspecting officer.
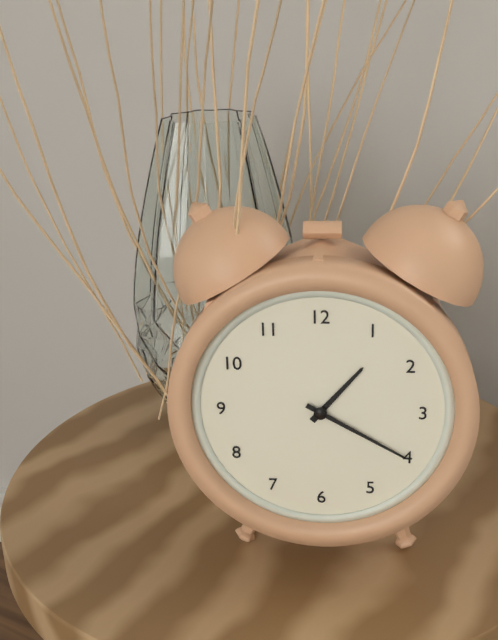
1:20
